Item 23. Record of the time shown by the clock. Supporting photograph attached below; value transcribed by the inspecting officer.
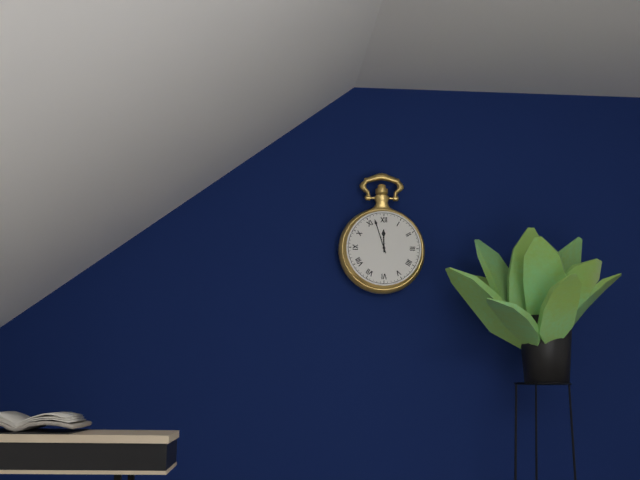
11:57
